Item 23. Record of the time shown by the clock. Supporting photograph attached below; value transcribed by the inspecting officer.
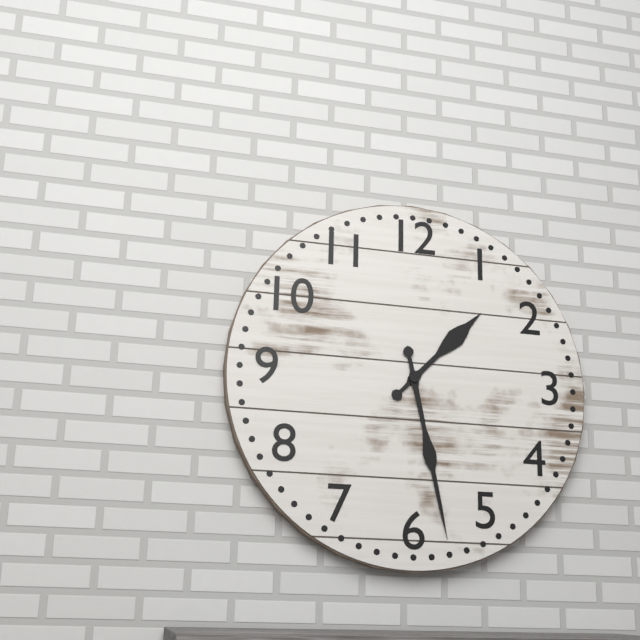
1:28
